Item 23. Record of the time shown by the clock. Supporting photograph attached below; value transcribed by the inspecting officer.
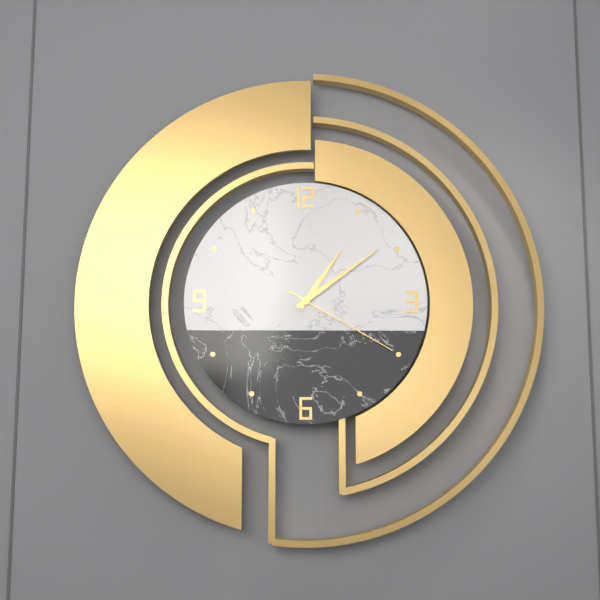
1:09:20
